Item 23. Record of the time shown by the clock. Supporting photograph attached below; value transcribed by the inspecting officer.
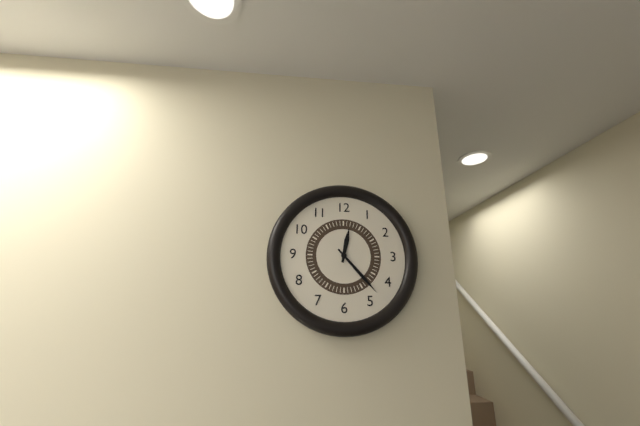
12:23
